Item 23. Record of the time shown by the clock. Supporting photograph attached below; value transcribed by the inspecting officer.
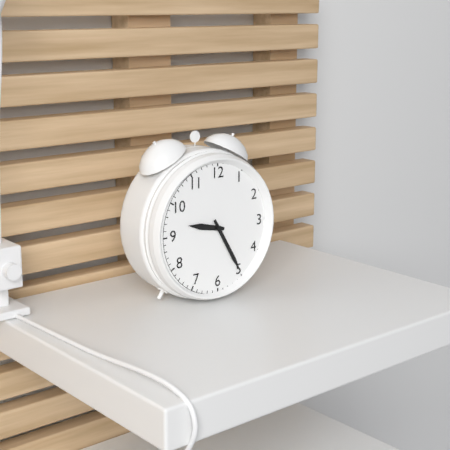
9:25
